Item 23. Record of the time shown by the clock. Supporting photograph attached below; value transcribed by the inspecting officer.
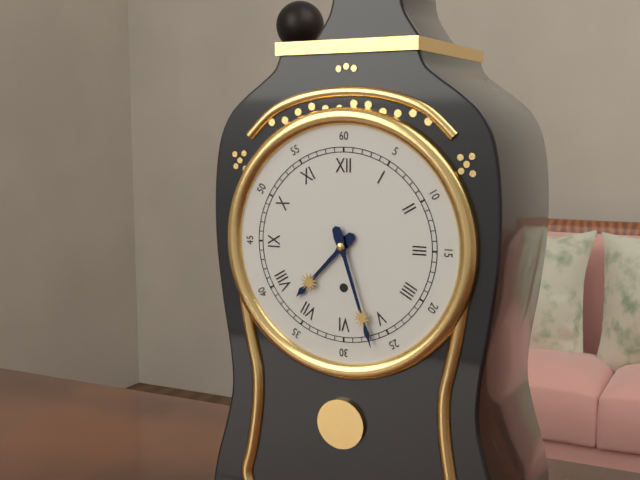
7:27
